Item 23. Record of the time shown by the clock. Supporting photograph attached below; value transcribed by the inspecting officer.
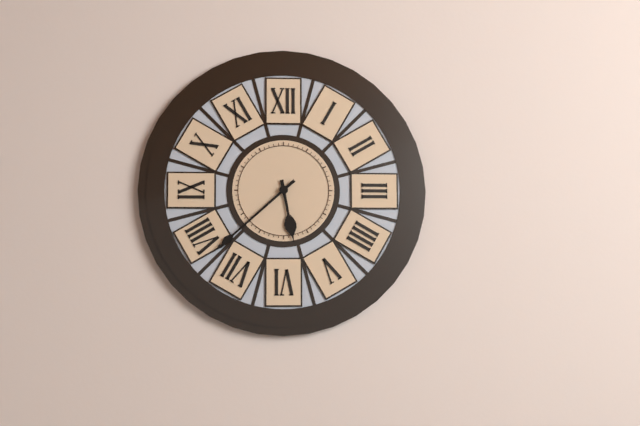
5:38
